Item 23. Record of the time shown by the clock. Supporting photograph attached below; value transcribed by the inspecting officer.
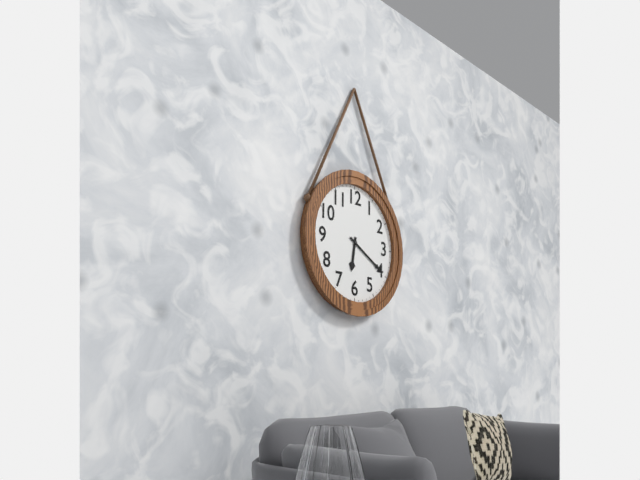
6:20
